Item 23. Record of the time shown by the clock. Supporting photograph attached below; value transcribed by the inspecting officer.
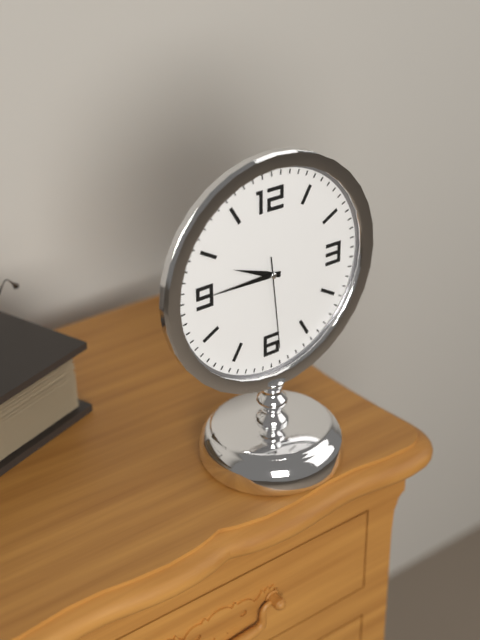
9:45:29
